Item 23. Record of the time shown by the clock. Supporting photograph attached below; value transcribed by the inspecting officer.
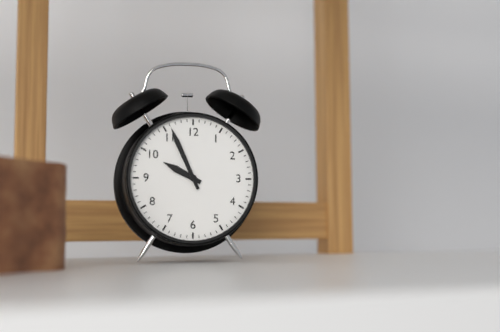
9:56
